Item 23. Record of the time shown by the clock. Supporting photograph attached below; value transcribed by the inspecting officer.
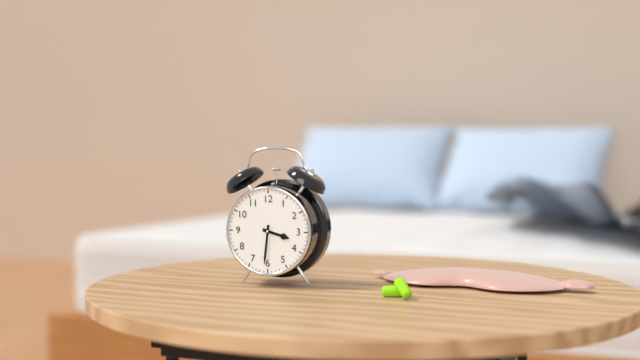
3:31
